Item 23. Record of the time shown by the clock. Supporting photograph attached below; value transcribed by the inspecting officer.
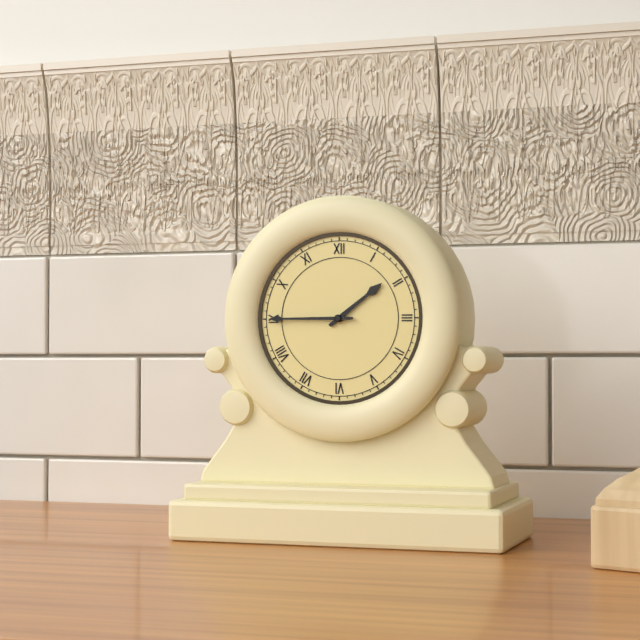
1:45
